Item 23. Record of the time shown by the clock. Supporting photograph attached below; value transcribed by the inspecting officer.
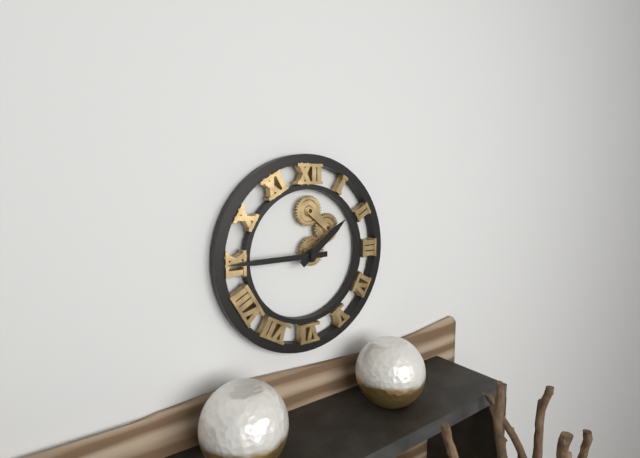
1:45
